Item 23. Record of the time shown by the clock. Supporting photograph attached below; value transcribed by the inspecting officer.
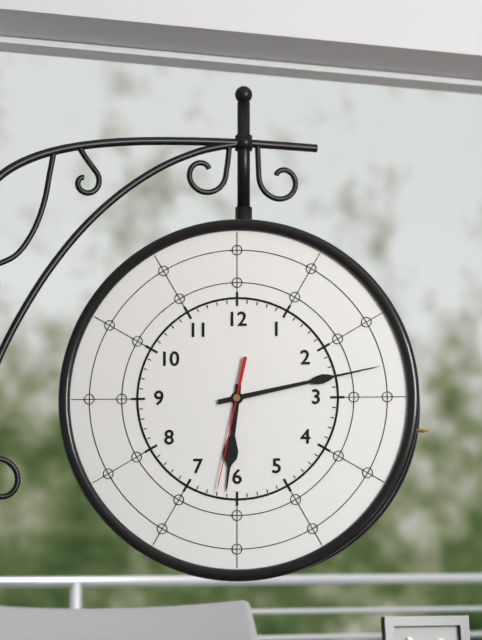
6:13:32
